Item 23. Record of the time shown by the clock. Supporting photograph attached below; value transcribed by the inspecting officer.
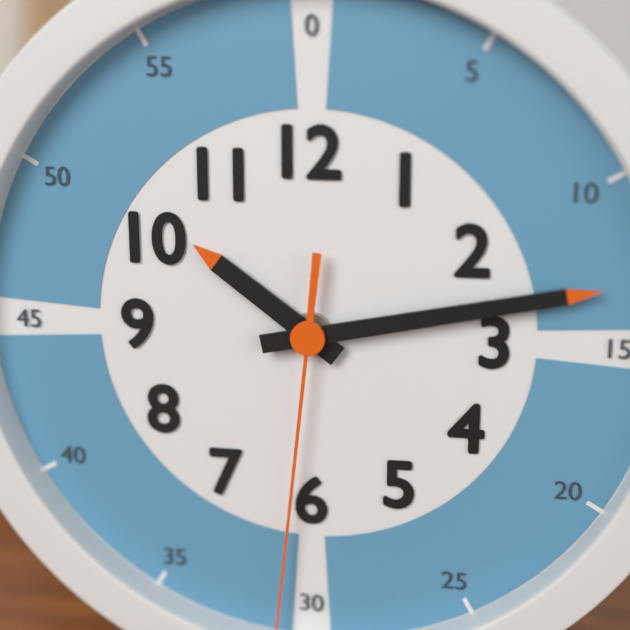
10:13
